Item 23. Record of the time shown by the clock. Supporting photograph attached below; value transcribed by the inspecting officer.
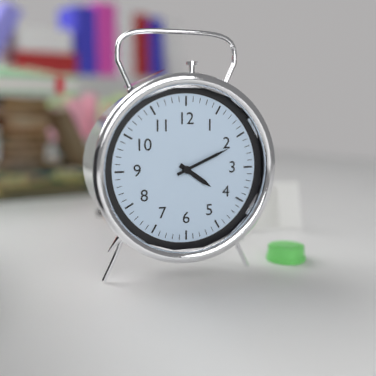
4:11
